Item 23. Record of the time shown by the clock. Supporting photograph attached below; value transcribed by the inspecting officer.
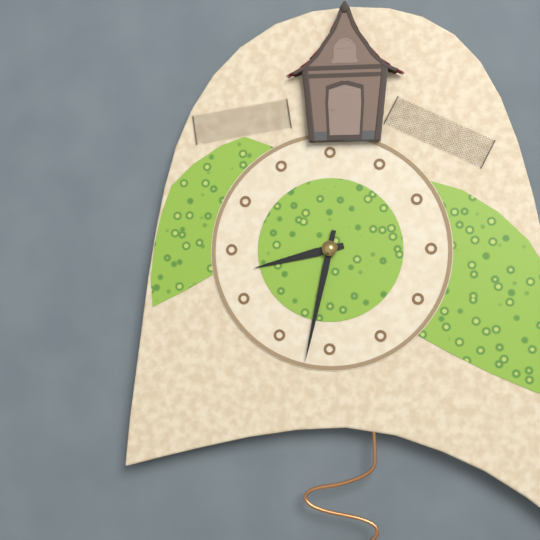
8:32
